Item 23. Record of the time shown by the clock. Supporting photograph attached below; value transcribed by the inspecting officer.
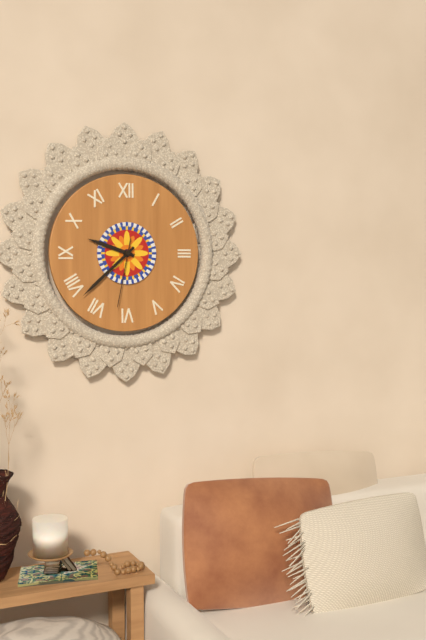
9:38:32
